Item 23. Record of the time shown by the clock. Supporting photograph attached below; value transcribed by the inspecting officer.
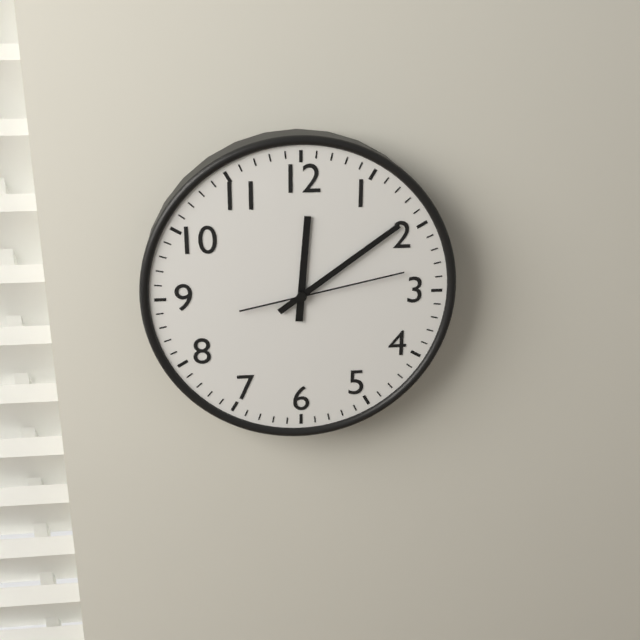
12:09:13
